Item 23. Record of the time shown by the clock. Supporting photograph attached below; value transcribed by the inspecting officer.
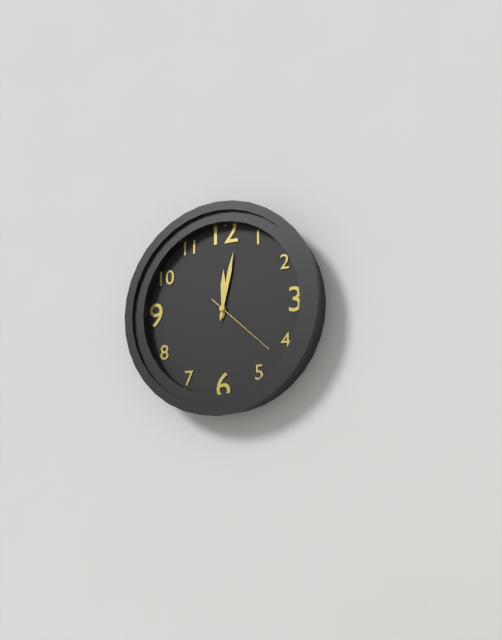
12:02:22
